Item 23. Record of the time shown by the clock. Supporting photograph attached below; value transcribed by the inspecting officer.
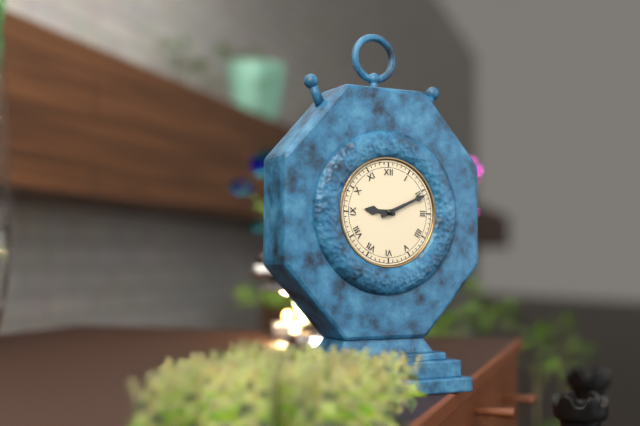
9:11
